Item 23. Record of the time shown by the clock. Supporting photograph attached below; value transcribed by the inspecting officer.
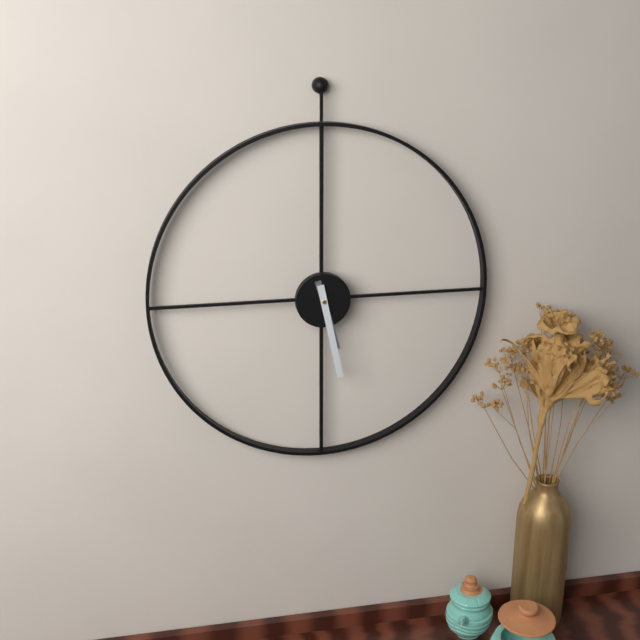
5:28
